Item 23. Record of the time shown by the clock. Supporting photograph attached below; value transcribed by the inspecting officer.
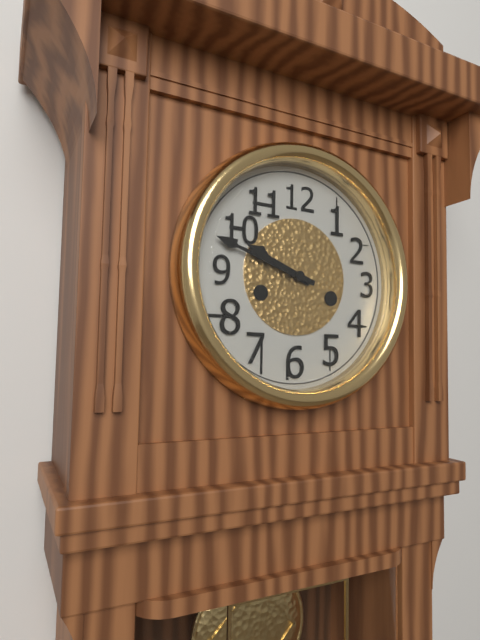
9:48
